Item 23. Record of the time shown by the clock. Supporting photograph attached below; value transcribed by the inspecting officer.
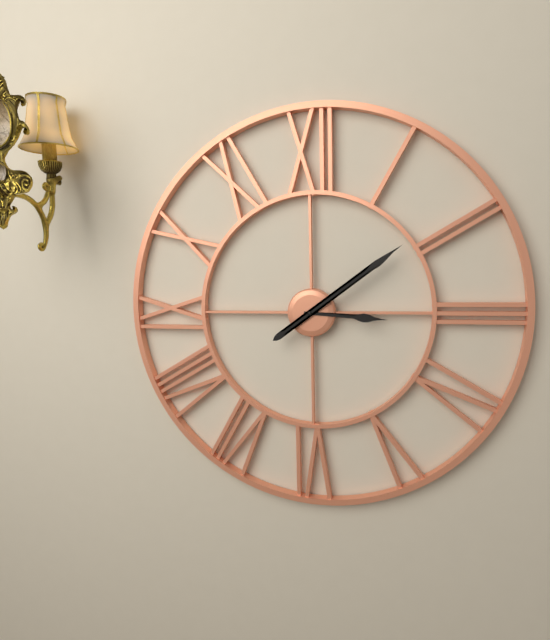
3:09
